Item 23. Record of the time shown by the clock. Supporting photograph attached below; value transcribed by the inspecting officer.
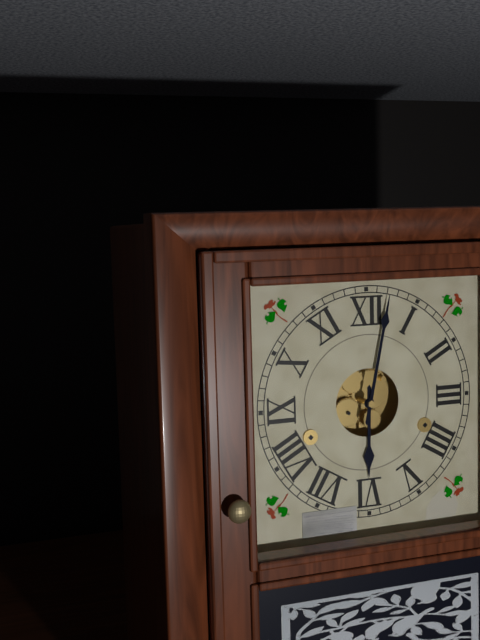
6:02
